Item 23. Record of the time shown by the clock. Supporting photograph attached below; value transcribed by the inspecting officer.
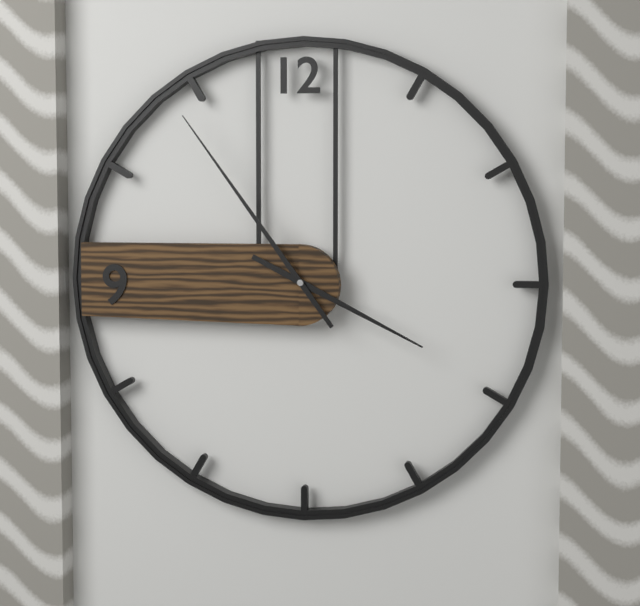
3:54
